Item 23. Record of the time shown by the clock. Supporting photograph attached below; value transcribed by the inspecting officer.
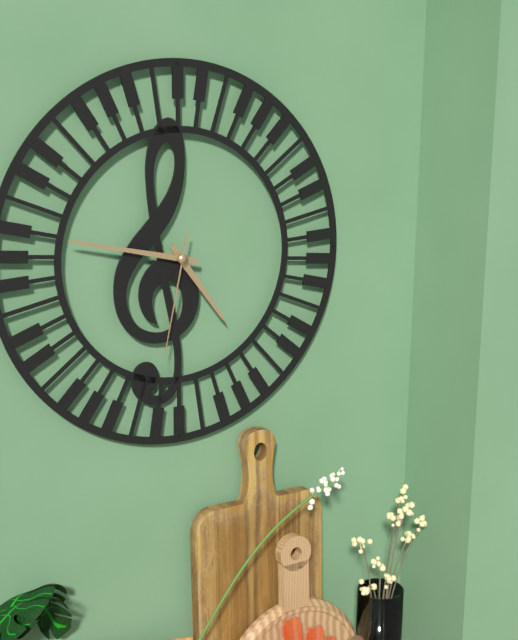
4:47:32
